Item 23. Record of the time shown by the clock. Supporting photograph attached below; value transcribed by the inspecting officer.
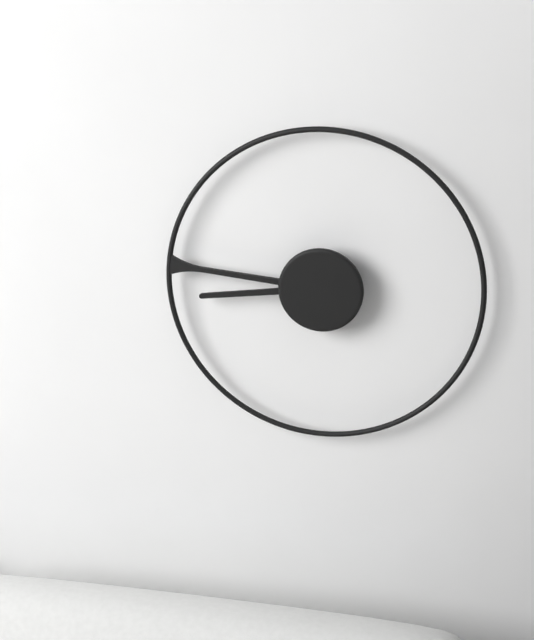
8:46
